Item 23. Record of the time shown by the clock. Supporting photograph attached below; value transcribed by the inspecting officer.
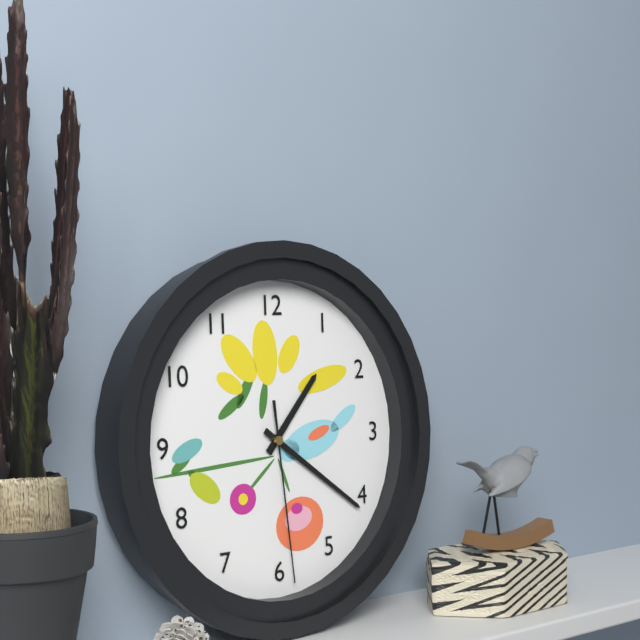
1:21:29
